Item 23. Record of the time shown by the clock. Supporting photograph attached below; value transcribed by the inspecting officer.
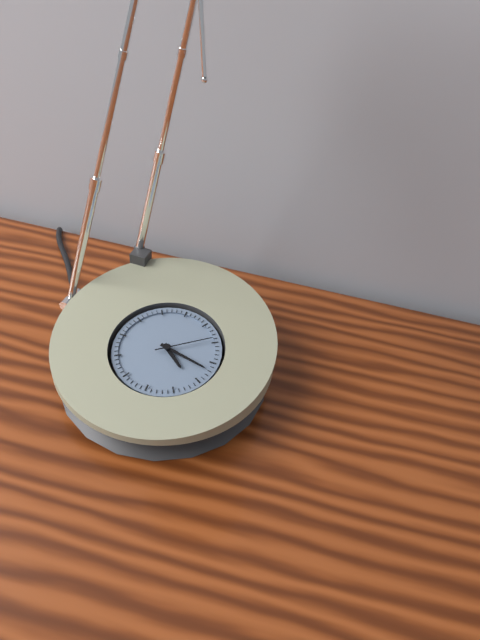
4:17:09
